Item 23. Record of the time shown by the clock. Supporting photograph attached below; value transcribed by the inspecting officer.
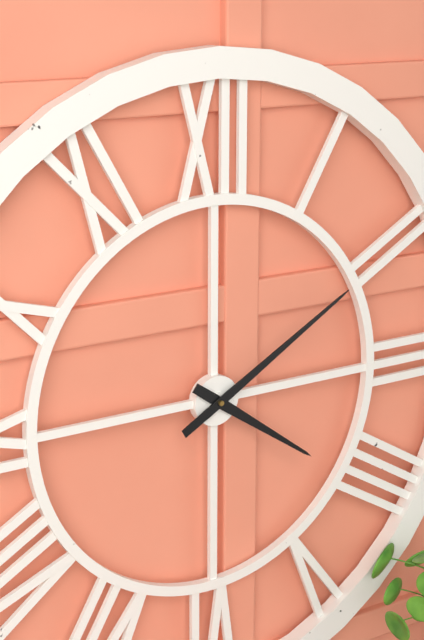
4:10
